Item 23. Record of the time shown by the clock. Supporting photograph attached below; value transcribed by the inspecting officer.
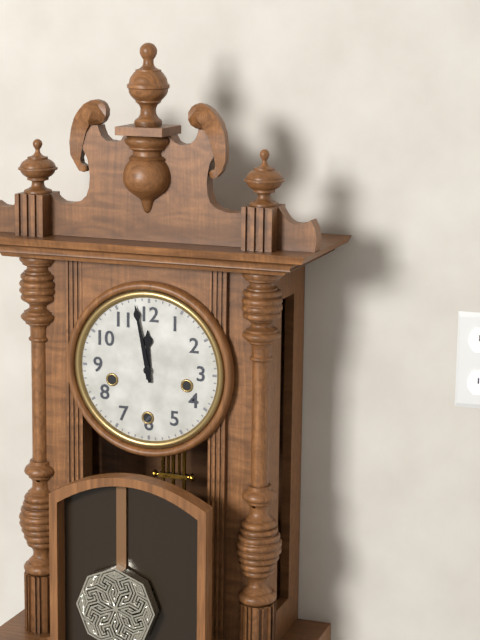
11:58
